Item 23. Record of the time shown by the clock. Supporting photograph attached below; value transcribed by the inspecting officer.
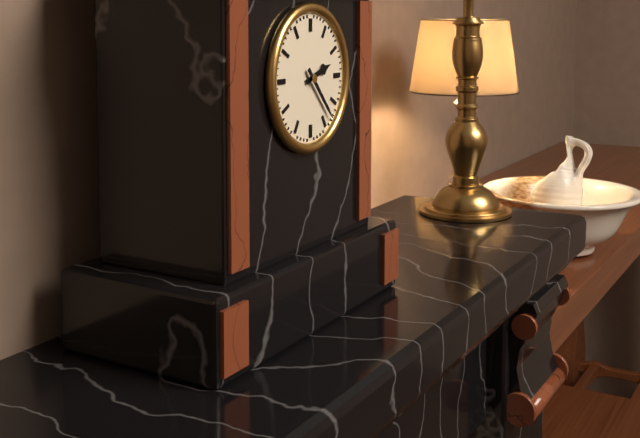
2:23
